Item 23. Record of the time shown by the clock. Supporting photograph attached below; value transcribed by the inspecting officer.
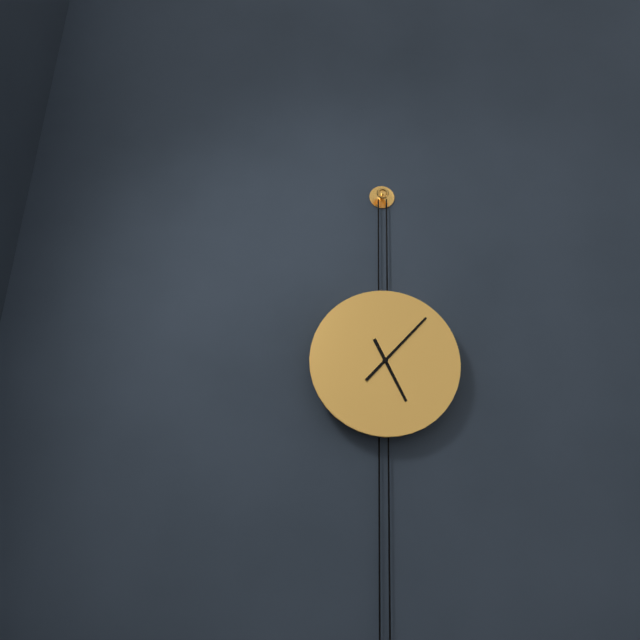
5:07
